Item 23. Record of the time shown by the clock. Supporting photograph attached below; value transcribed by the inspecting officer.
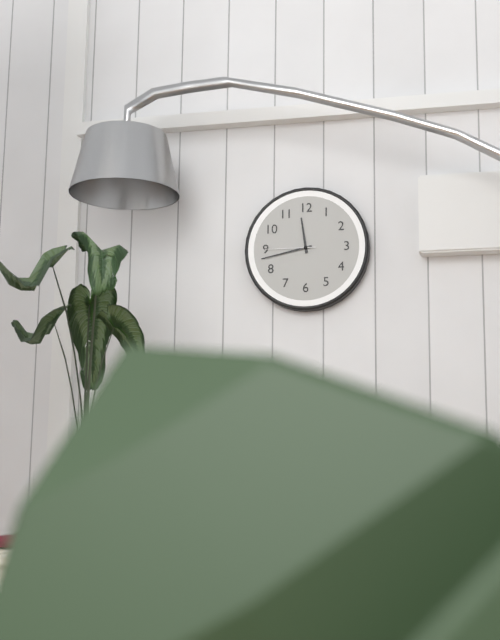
11:43:45
